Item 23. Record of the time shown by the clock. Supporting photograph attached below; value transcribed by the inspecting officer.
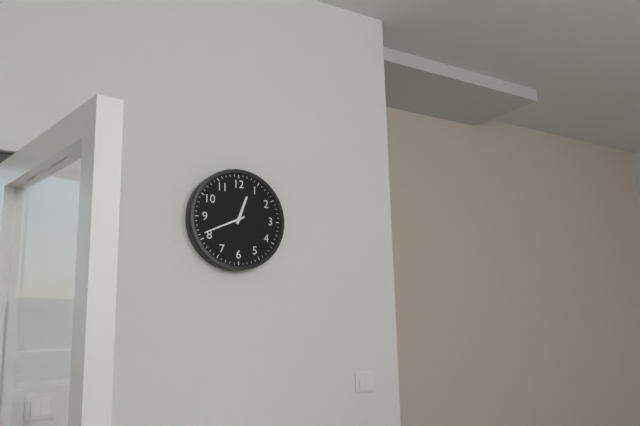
12:41
